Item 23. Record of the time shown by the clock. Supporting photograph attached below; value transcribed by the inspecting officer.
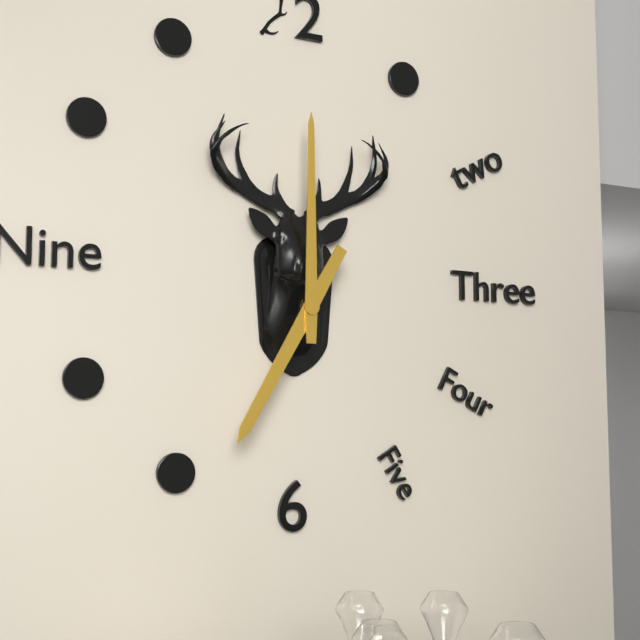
7:00
